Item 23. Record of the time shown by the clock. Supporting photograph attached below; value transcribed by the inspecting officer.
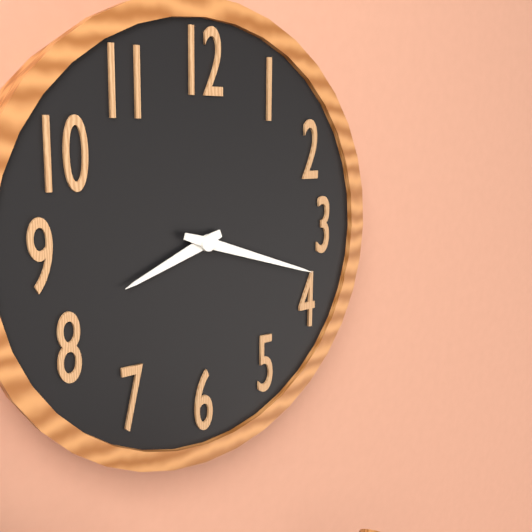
8:18
